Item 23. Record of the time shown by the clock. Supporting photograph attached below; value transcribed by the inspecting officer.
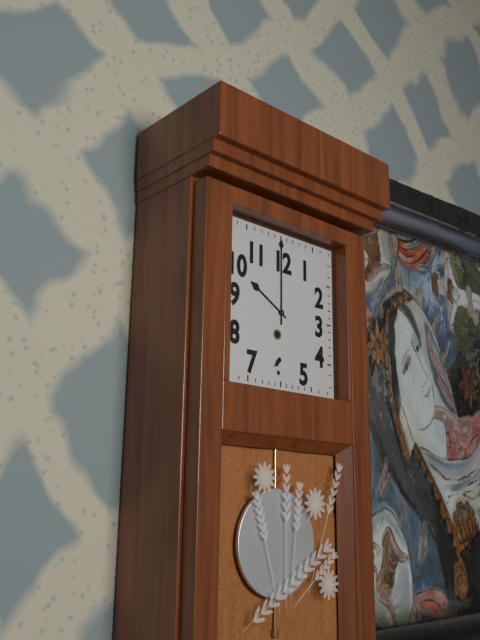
10:00
